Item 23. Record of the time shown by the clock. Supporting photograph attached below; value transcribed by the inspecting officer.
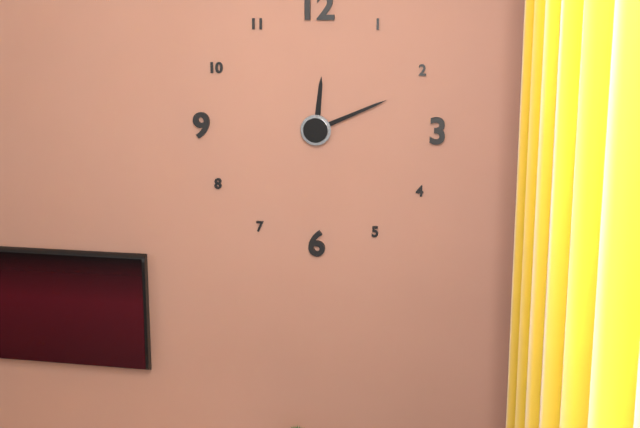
12:11
